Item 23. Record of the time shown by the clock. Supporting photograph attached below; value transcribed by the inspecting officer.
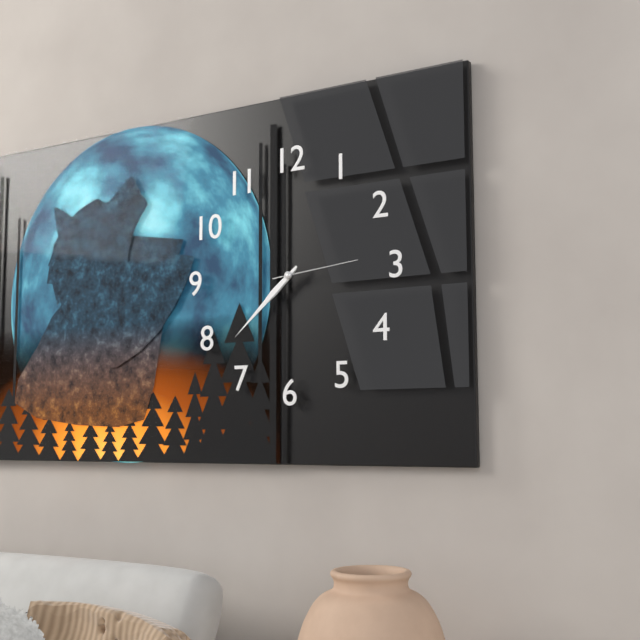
7:38:14
